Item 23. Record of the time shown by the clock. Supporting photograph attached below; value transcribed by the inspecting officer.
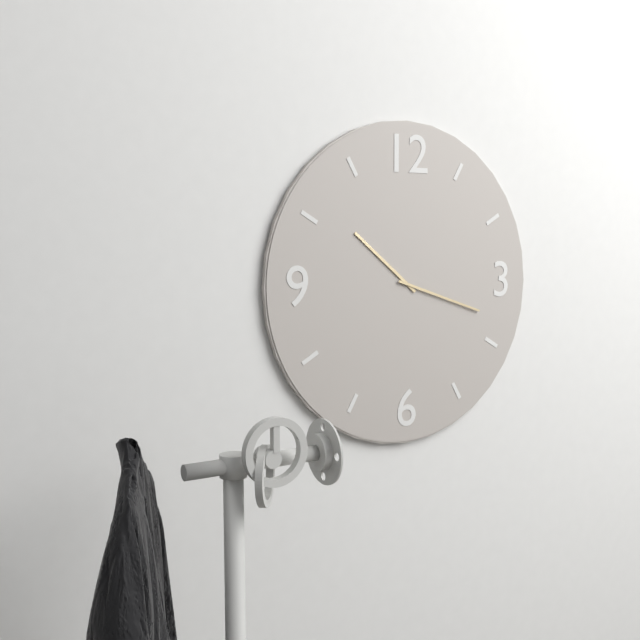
10:18
